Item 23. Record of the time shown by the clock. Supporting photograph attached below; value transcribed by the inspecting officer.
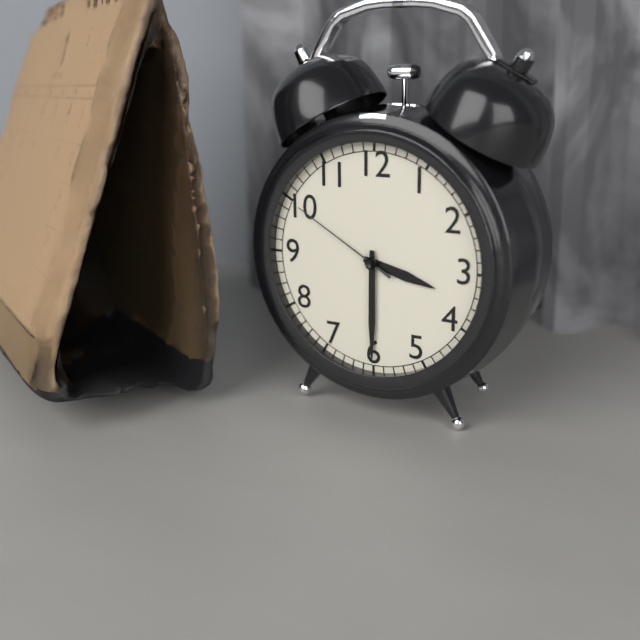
3:30:50
